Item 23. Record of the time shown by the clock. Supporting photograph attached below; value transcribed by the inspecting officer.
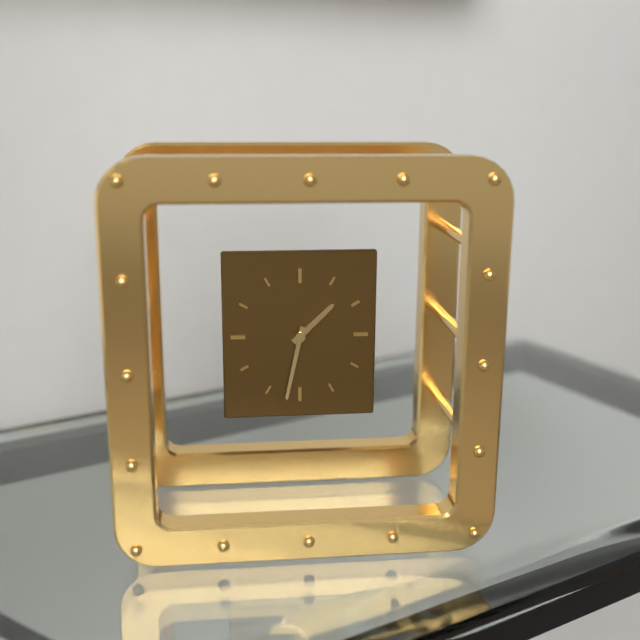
1:32
